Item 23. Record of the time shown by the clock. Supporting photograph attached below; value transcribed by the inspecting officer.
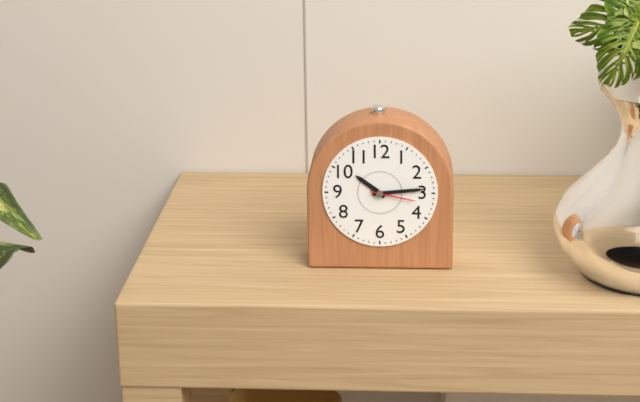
10:14
